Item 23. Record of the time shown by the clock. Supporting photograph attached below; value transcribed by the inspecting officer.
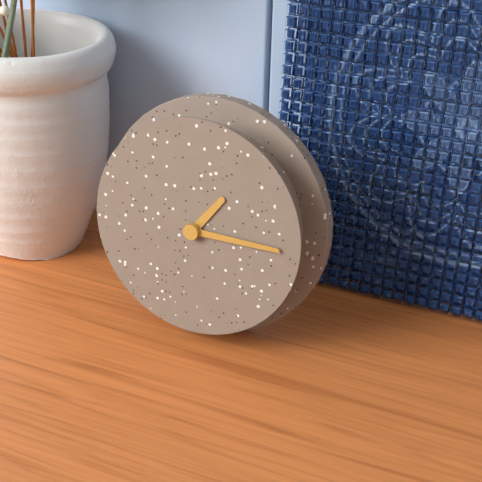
1:15
